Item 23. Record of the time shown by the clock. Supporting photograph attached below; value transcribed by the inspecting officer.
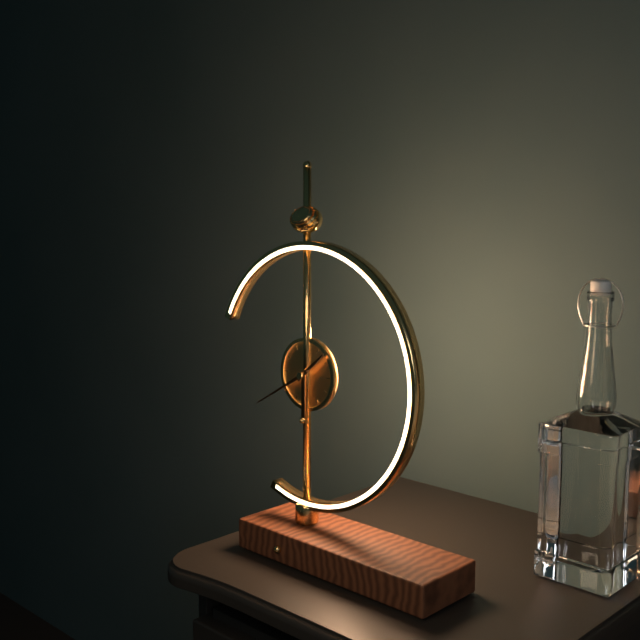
1:40
